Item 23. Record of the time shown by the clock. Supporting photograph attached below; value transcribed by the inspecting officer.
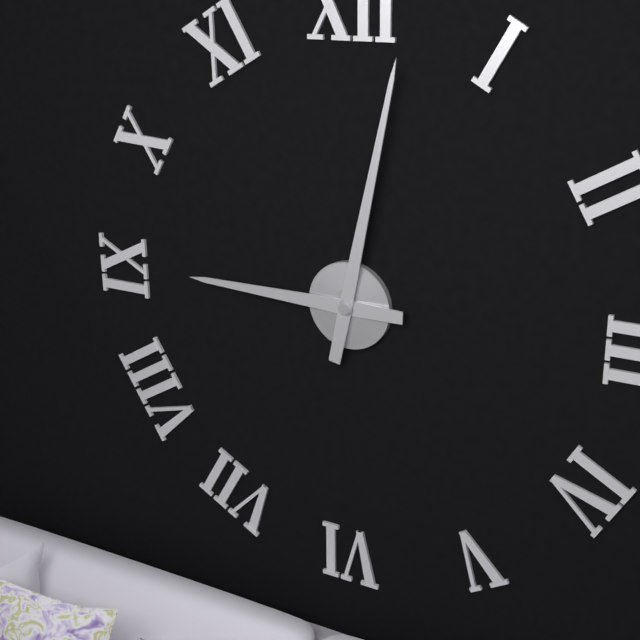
9:02
